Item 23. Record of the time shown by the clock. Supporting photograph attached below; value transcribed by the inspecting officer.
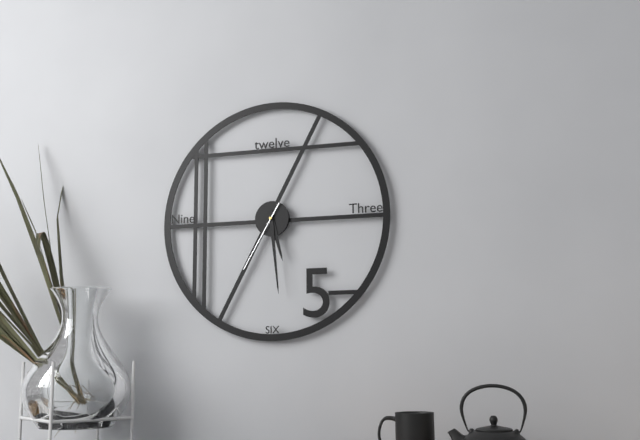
5:29:35
